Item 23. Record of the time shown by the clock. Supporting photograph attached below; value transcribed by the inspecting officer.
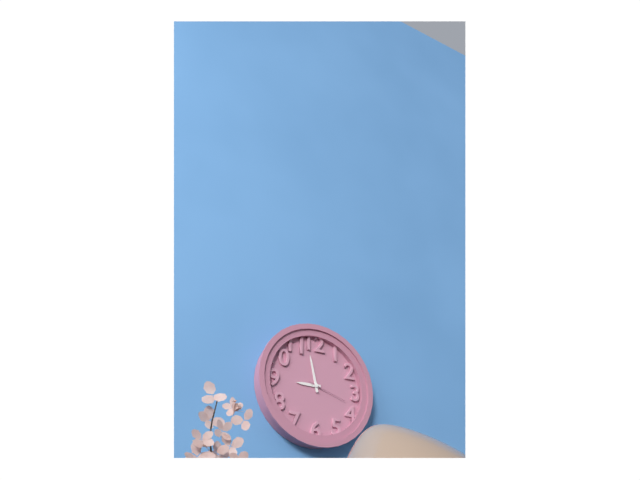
8:58
